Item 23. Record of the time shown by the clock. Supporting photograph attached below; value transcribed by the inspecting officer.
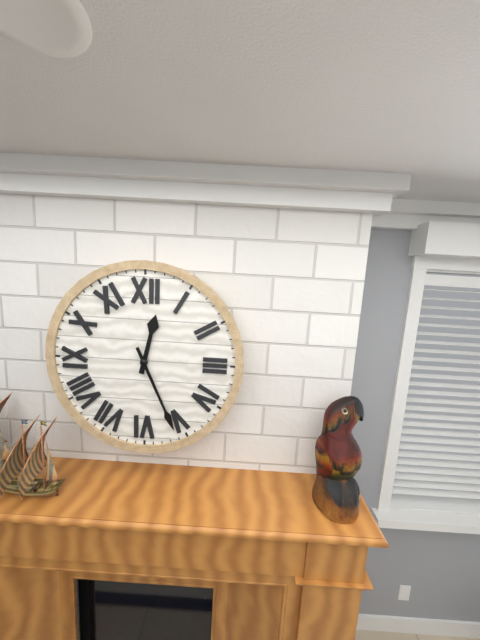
12:26
